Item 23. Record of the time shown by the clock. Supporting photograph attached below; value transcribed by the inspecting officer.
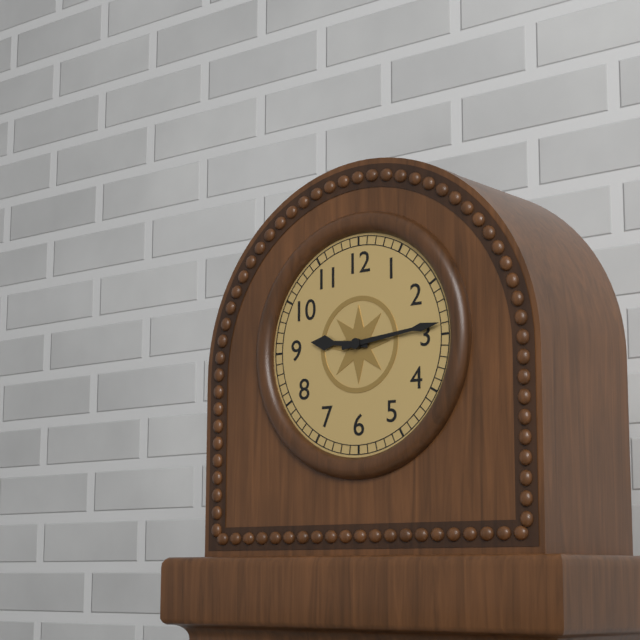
9:14
